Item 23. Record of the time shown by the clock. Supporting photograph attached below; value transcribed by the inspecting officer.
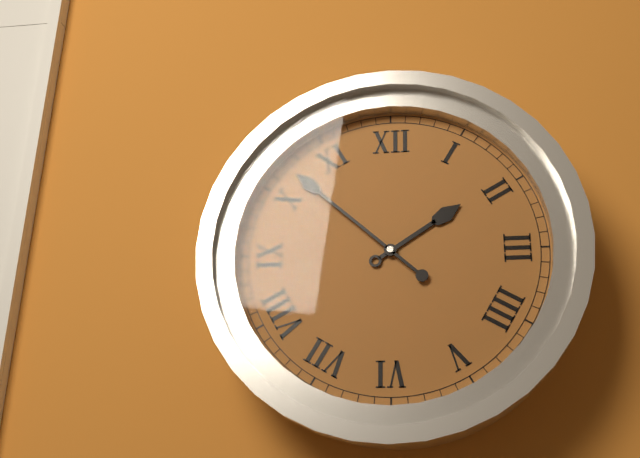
1:52
